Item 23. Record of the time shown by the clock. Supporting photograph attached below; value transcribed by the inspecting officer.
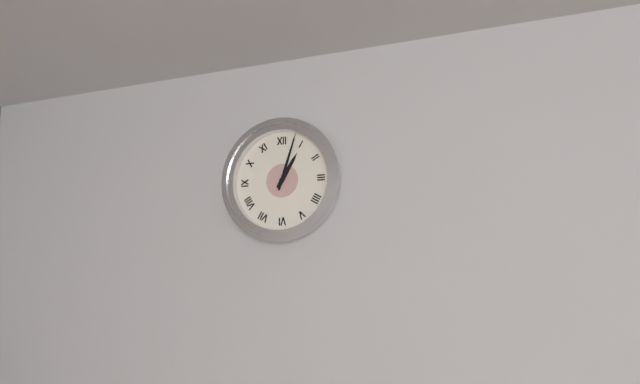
1:03
